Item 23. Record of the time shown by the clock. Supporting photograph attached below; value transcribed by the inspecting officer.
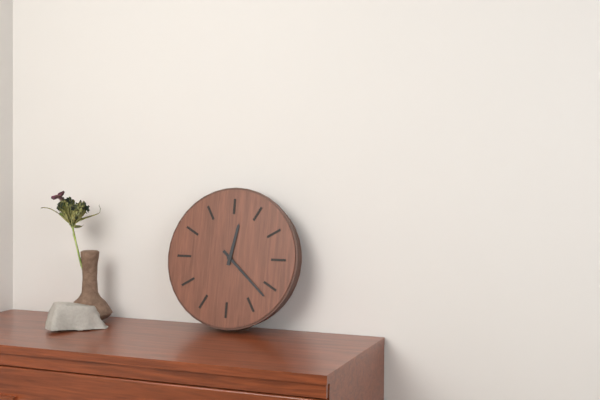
12:22
